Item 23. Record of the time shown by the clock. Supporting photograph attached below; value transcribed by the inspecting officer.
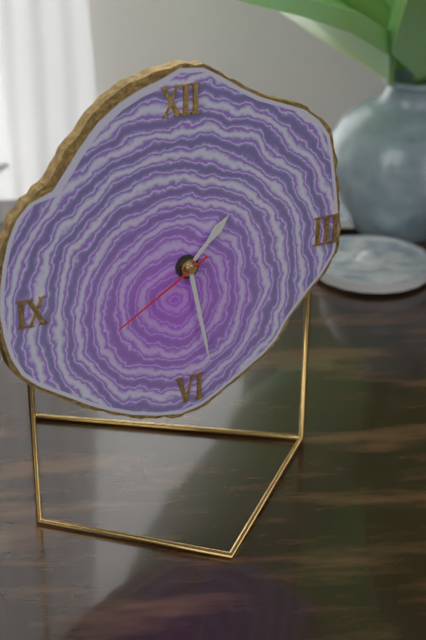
1:28:40
